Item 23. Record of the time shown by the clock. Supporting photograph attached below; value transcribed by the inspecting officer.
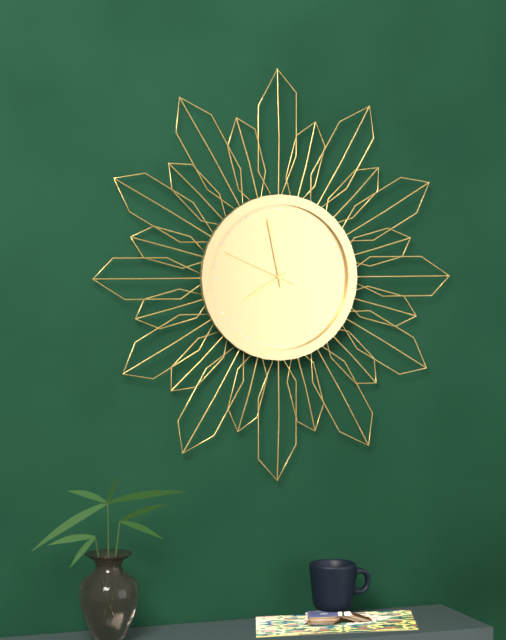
7:58:49
